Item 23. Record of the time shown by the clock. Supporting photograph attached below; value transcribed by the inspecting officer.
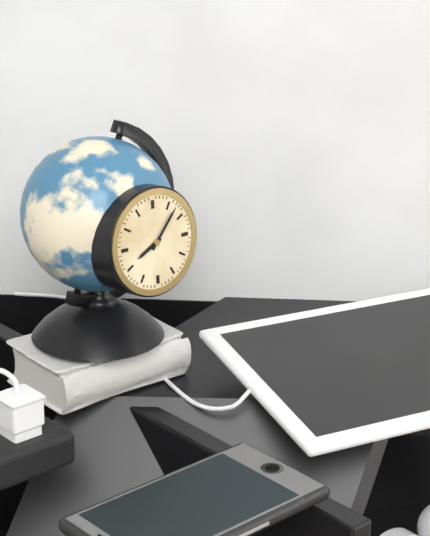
8:07
